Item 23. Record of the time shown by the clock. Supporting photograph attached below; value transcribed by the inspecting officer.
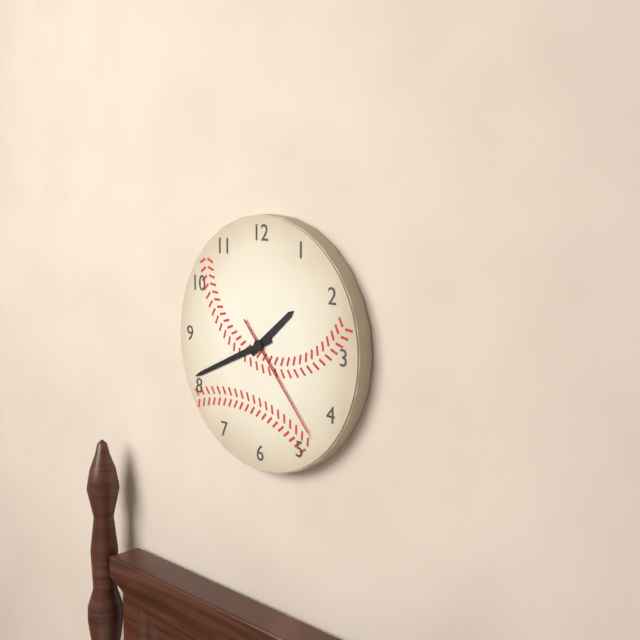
1:41:23
